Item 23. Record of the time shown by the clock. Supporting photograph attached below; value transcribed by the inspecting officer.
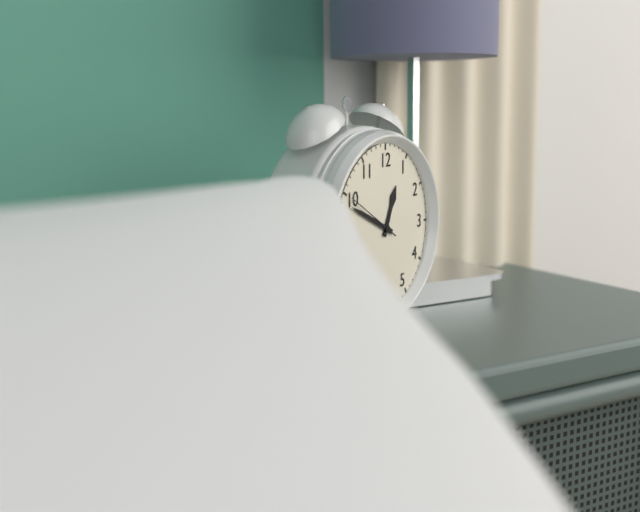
12:49:50
